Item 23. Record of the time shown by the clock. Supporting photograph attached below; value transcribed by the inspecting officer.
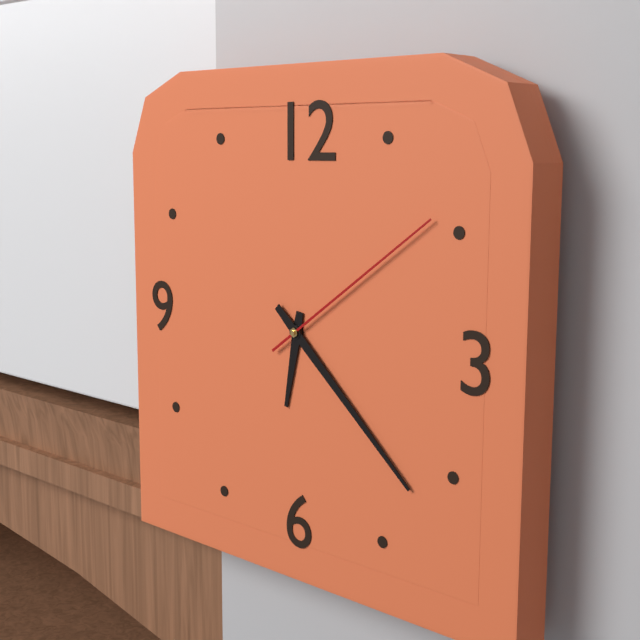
6:22:09
